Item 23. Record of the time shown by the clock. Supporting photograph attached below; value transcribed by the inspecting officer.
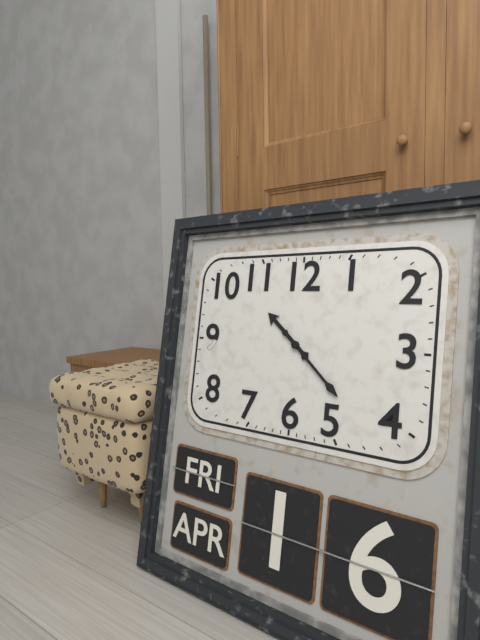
10:22
